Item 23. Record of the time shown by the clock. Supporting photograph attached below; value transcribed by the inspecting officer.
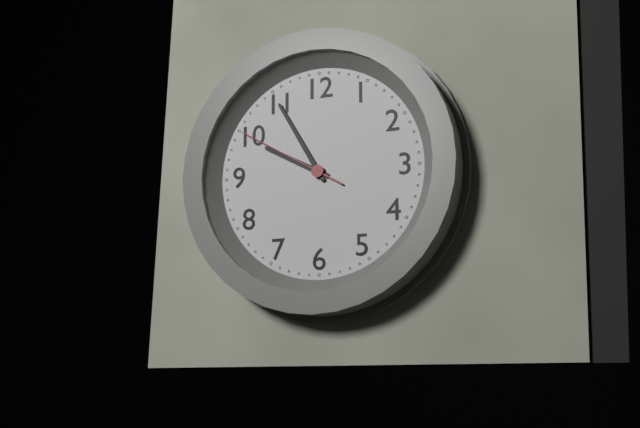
9:55:50
